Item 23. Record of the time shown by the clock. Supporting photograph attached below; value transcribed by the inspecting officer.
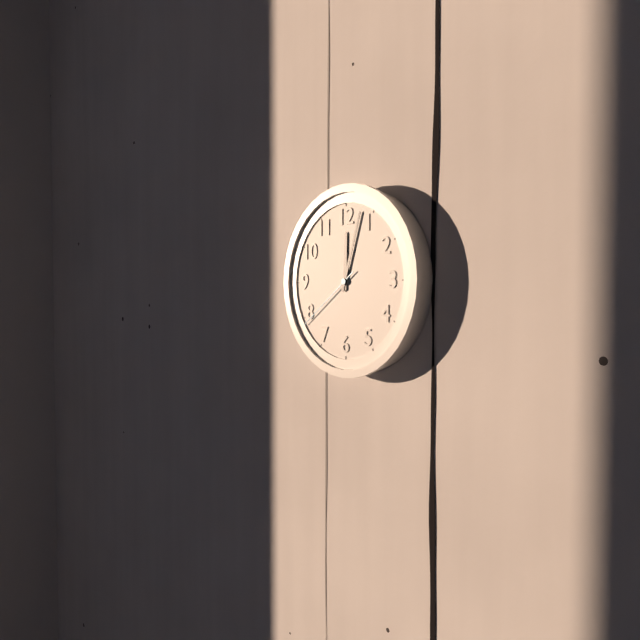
12:03:39
